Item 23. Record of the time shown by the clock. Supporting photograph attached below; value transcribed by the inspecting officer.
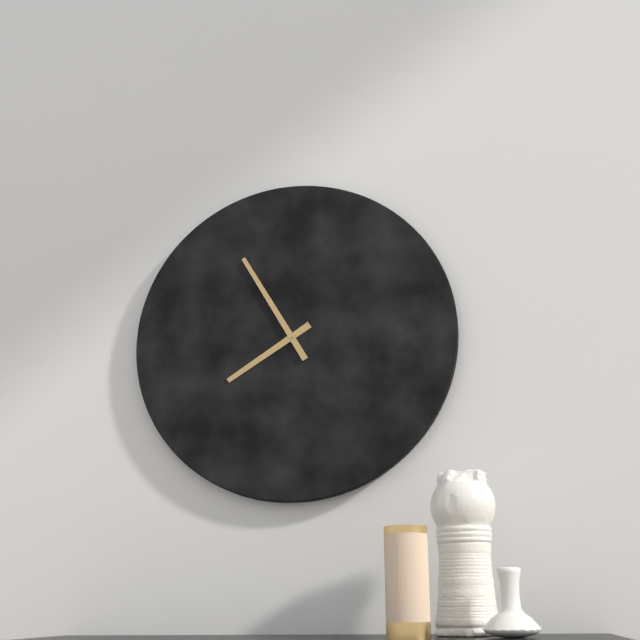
7:55
